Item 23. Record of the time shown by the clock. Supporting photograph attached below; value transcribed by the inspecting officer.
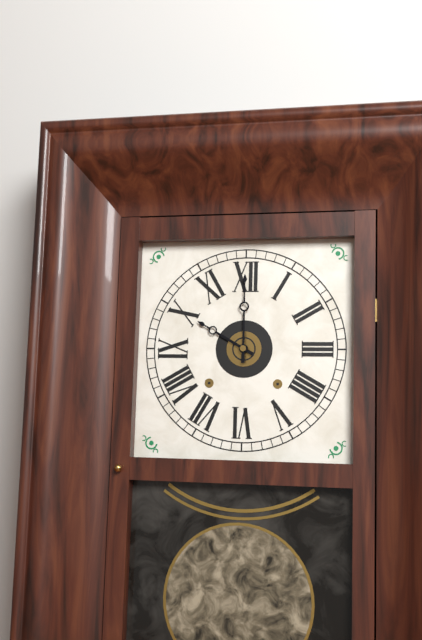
10:00
